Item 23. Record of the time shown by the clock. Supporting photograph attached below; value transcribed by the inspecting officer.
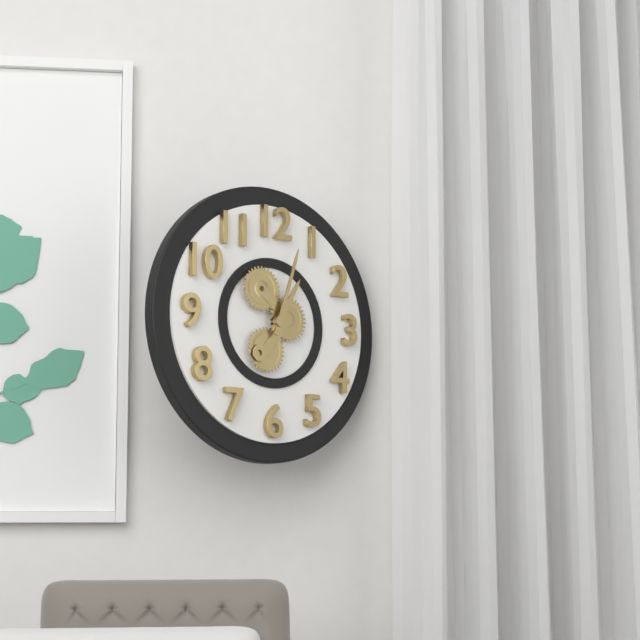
1:03
